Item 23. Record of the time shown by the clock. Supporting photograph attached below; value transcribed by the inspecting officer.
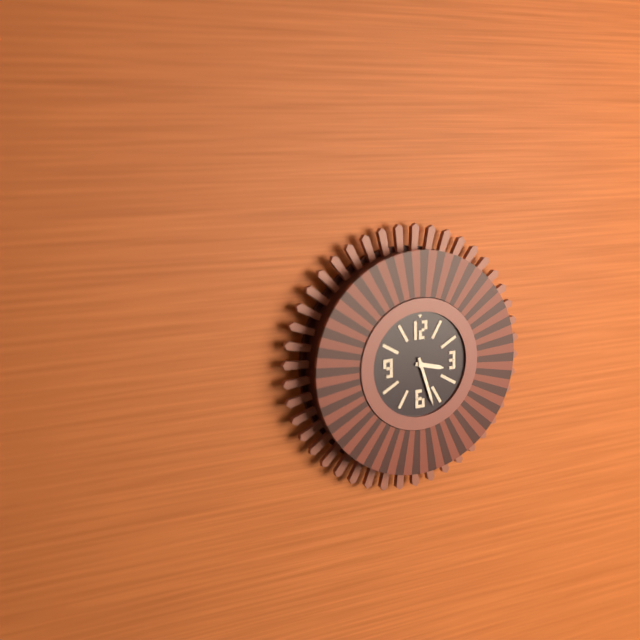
3:27
